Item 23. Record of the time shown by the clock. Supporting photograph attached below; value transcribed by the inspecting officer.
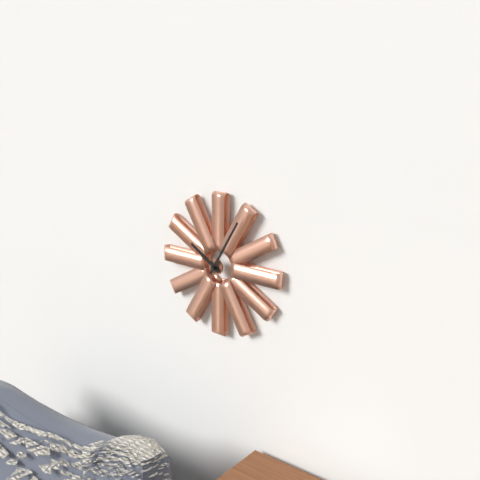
10:05
